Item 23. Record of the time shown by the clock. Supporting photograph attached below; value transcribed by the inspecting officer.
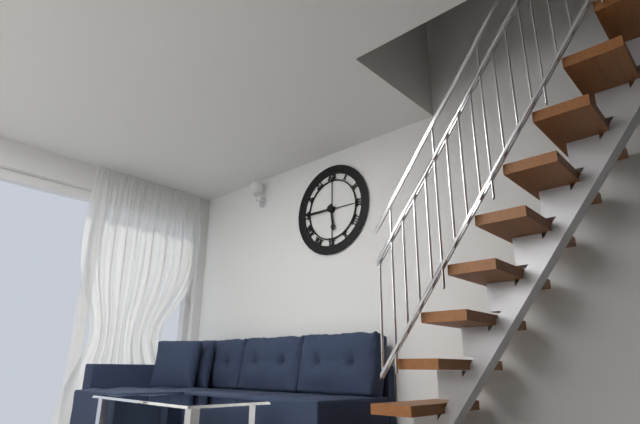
5:45
